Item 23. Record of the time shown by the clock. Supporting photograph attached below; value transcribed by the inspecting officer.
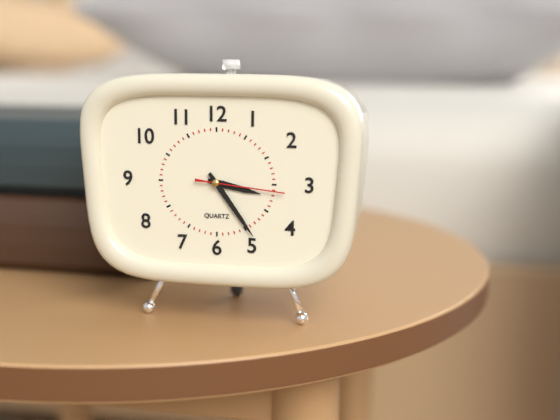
3:24:16
